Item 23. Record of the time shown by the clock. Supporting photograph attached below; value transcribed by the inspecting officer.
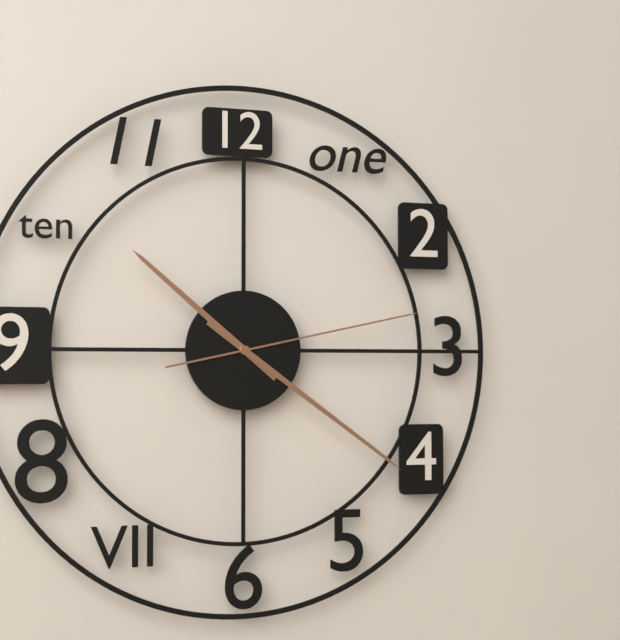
10:21:13
